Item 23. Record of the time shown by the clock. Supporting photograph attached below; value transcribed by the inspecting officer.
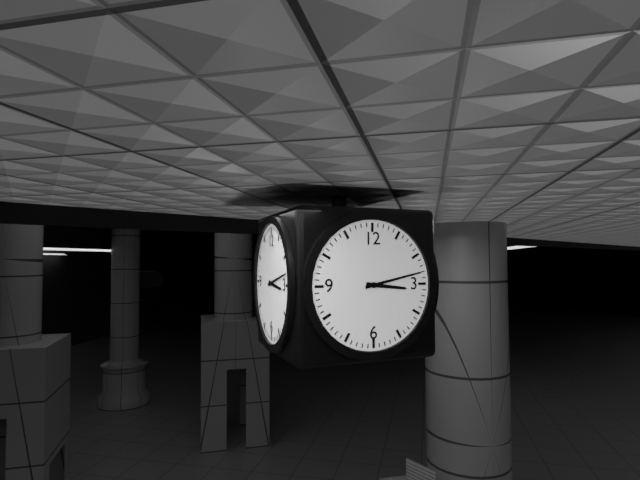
3:13
